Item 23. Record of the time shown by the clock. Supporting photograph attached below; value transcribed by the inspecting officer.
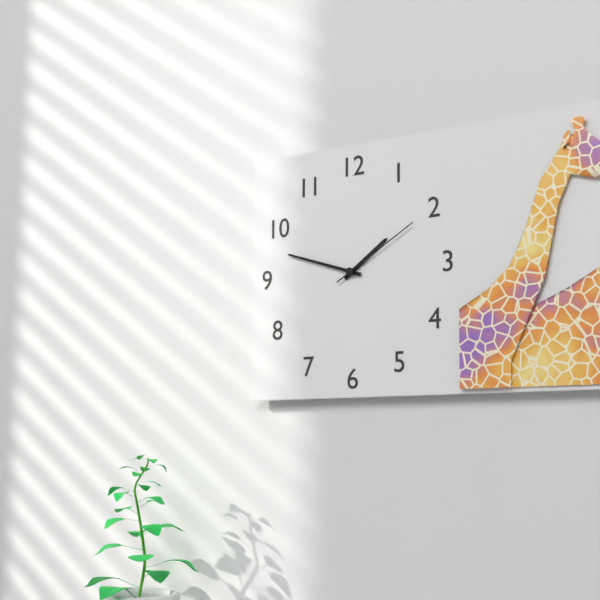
1:48:10
